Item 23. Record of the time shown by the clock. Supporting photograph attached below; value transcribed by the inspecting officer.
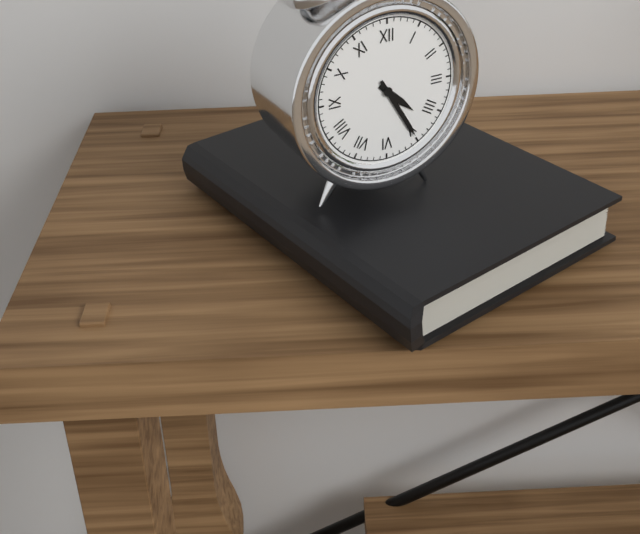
4:25
